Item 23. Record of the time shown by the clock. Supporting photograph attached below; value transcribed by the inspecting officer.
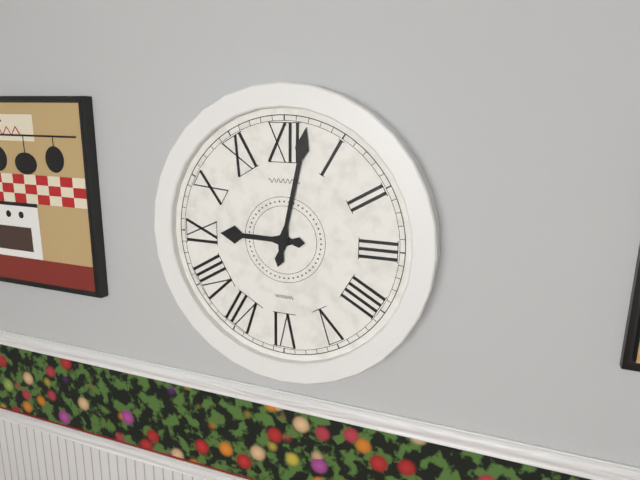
9:02
